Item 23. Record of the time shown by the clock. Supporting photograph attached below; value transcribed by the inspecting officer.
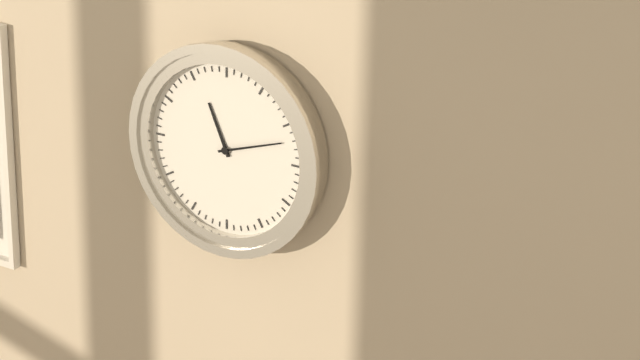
11:12
